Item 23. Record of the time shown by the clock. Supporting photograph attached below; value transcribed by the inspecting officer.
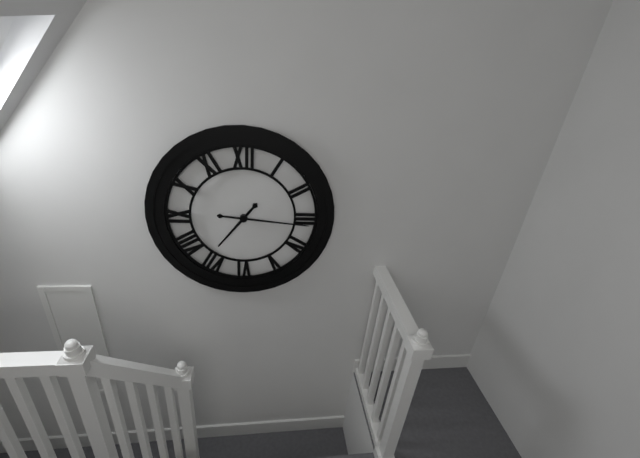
7:16
